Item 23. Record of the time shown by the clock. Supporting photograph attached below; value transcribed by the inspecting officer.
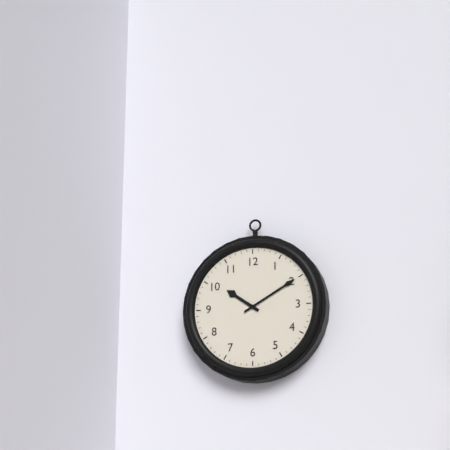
10:10
